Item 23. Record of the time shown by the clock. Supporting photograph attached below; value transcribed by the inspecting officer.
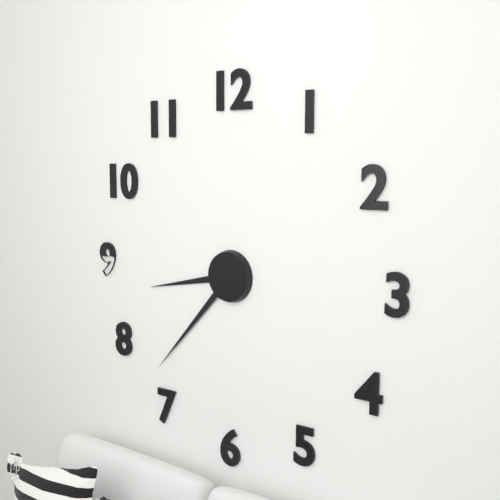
8:37
